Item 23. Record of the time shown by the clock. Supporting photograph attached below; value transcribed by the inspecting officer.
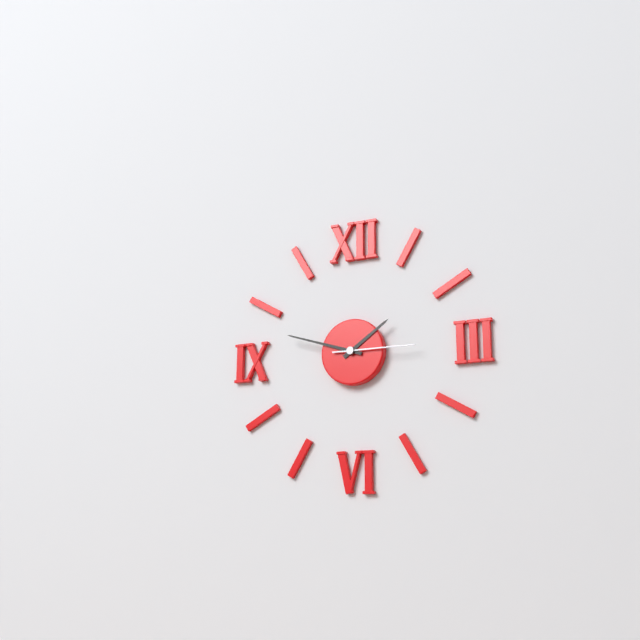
1:48:15
